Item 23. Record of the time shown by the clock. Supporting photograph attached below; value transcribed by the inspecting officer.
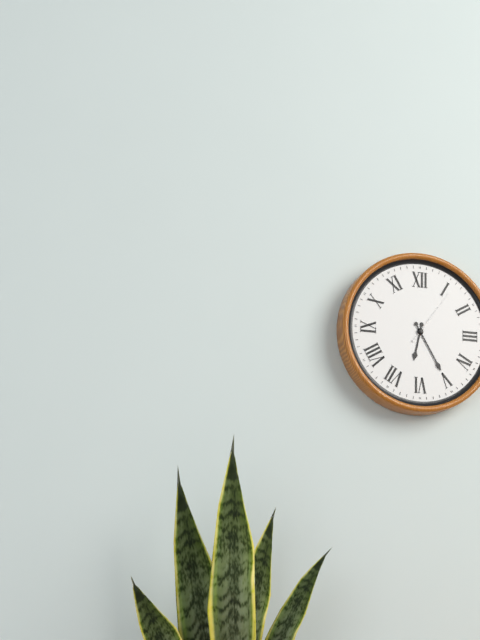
6:25:06
